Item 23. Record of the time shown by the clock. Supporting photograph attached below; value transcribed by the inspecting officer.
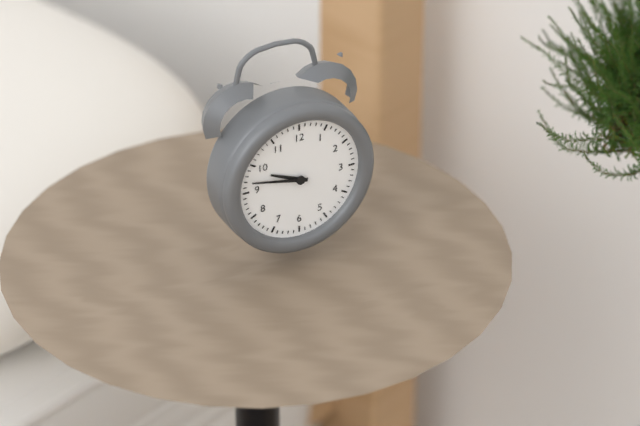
9:47
